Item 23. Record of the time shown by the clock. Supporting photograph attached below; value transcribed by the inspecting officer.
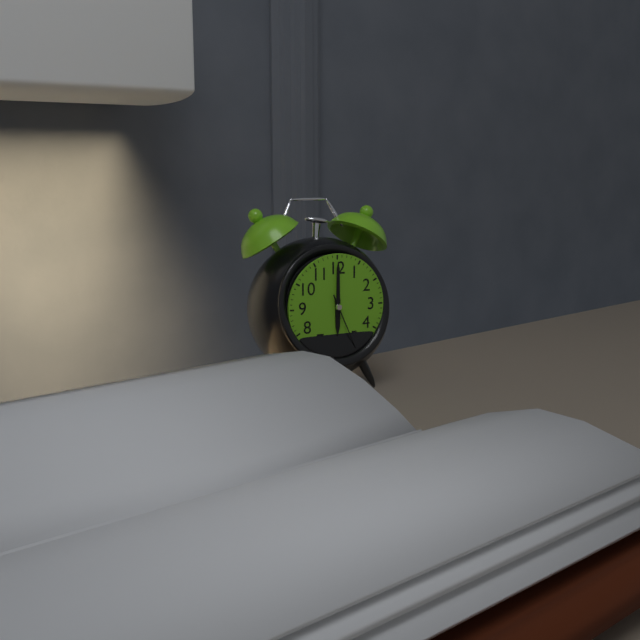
6:00:26
